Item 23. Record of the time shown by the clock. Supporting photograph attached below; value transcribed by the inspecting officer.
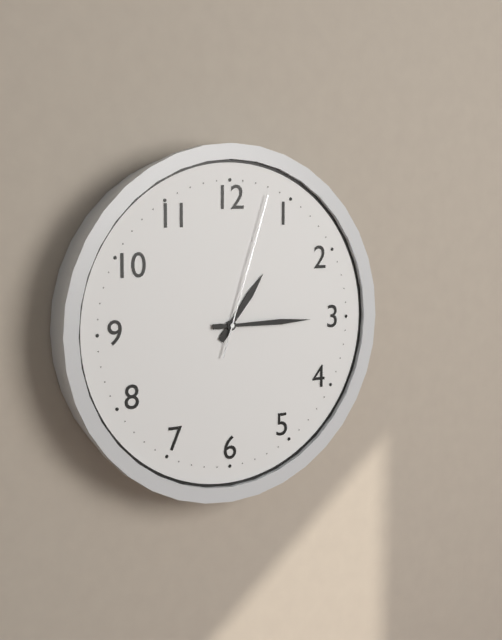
1:15:03
